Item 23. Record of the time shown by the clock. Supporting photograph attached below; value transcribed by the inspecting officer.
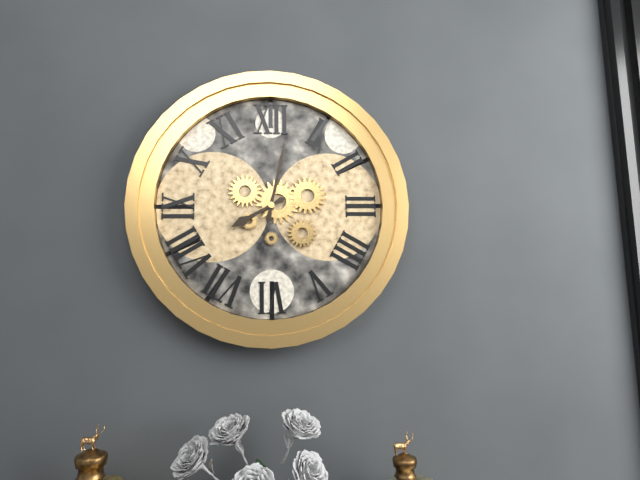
8:02
